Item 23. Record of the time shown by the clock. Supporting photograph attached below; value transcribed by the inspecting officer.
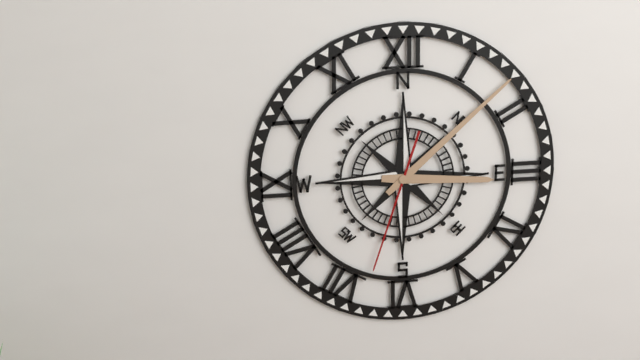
3:08:33
